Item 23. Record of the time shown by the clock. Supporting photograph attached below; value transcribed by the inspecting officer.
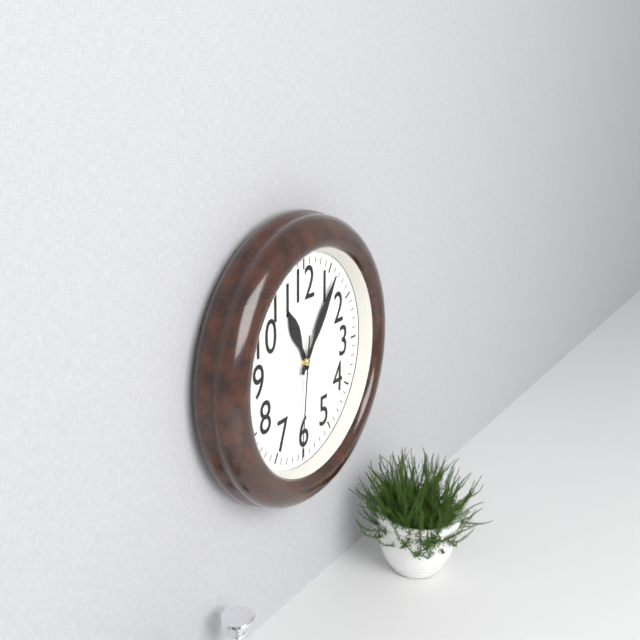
11:06:31
